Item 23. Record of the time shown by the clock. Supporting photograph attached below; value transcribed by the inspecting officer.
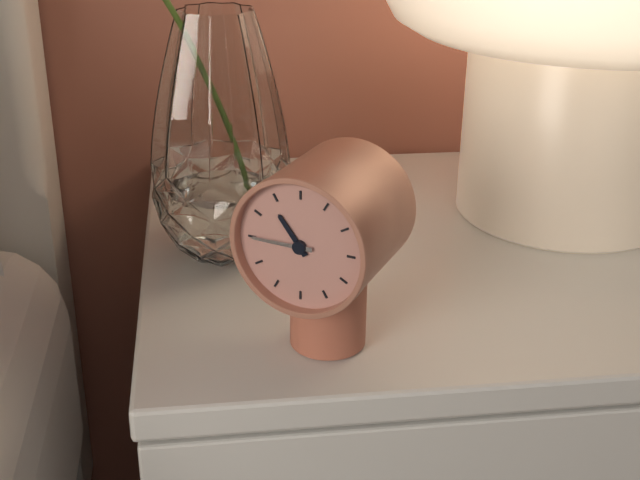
10:45
